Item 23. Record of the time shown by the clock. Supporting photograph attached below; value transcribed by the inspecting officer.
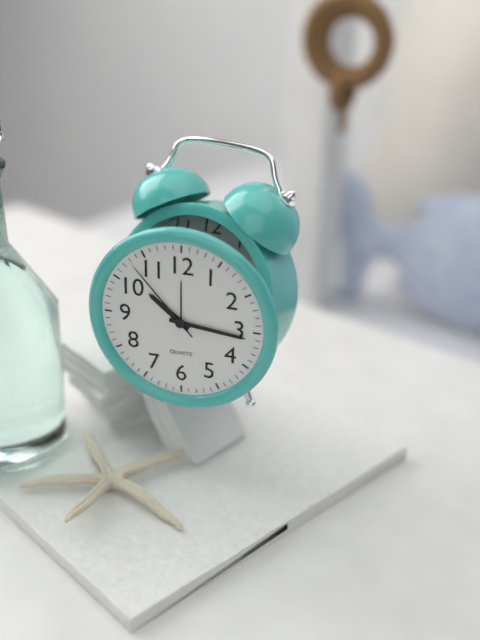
10:16:53
